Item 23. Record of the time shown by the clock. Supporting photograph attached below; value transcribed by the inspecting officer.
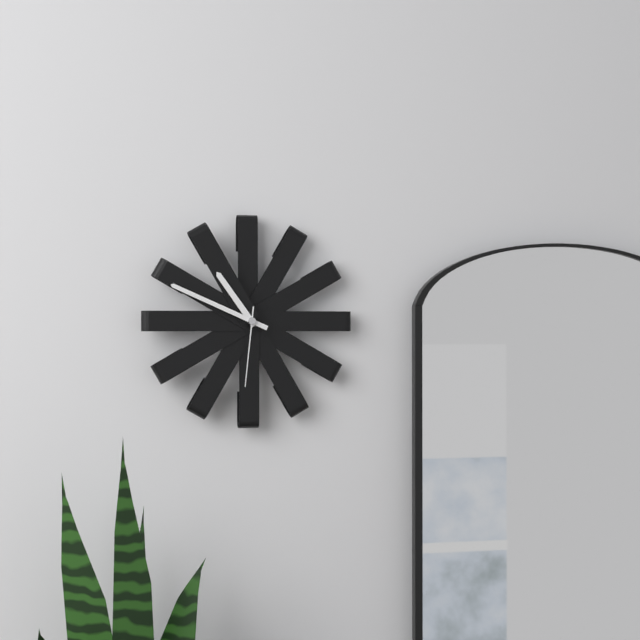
10:49:31
